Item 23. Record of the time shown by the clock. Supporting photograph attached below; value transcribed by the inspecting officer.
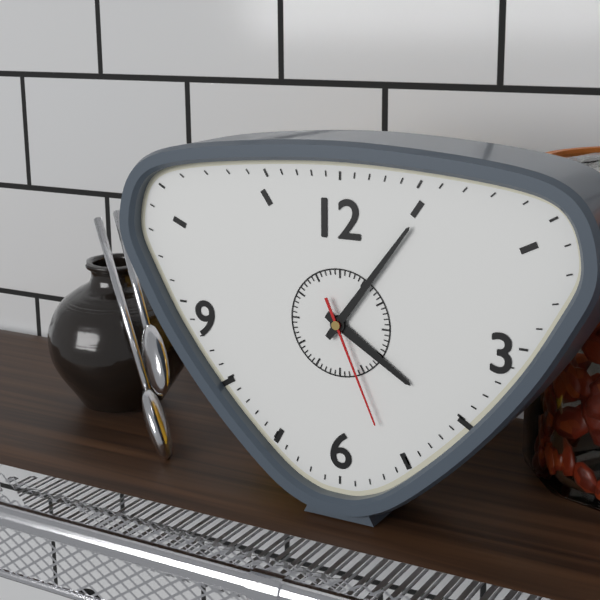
4:06:26
